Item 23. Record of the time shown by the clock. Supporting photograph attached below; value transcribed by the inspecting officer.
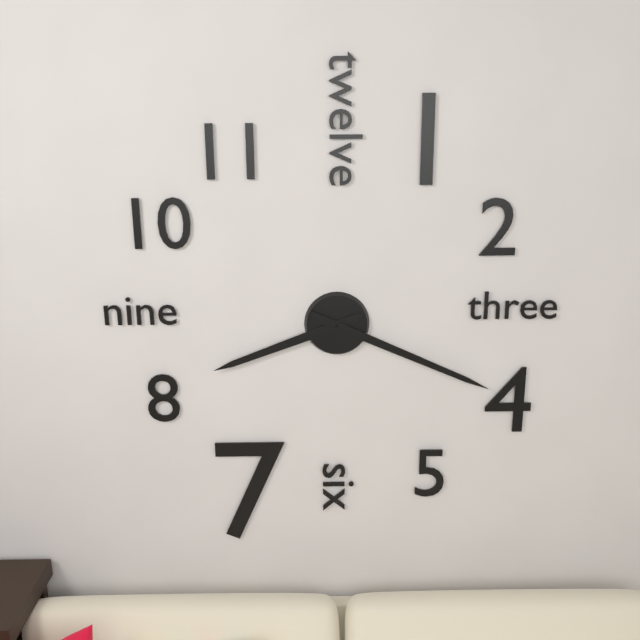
8:19
